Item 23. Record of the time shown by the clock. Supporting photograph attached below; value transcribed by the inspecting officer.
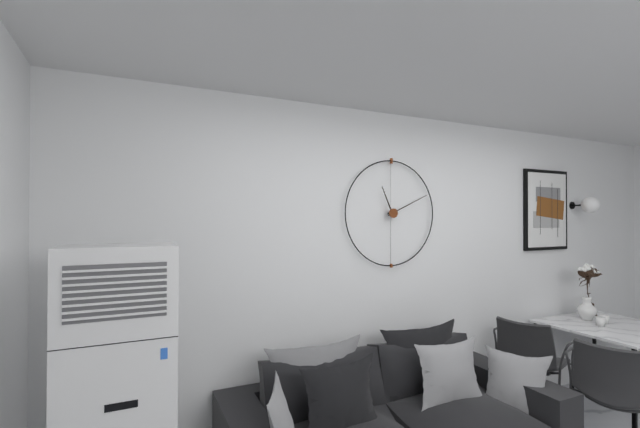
11:11
